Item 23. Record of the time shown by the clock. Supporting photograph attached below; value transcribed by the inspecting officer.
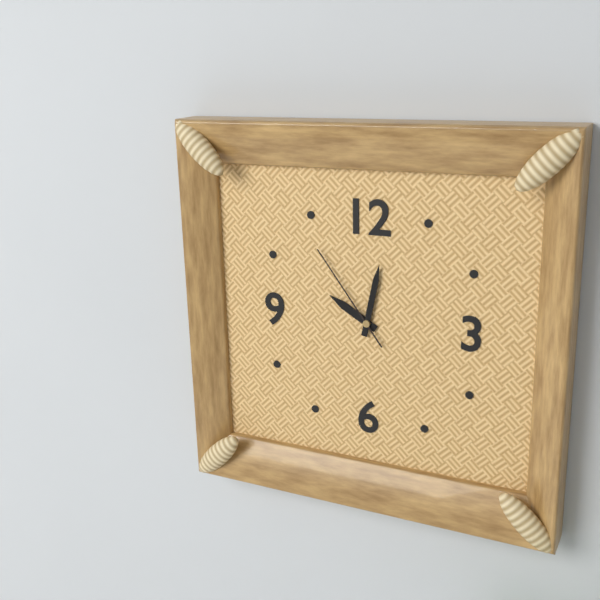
10:02:54
